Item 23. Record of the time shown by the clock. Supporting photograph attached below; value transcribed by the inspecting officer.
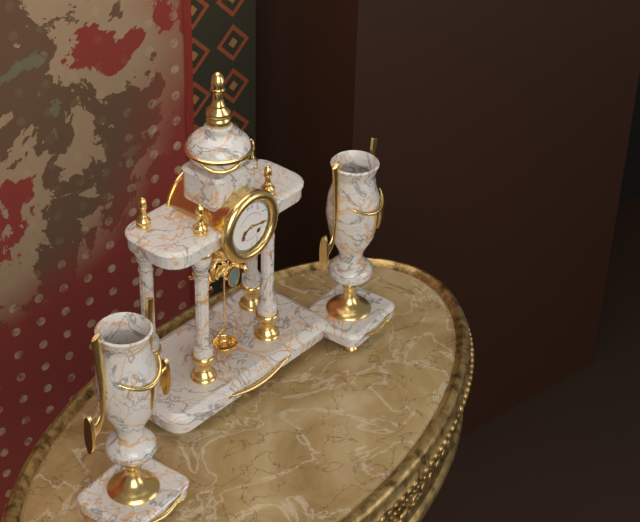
8:16
